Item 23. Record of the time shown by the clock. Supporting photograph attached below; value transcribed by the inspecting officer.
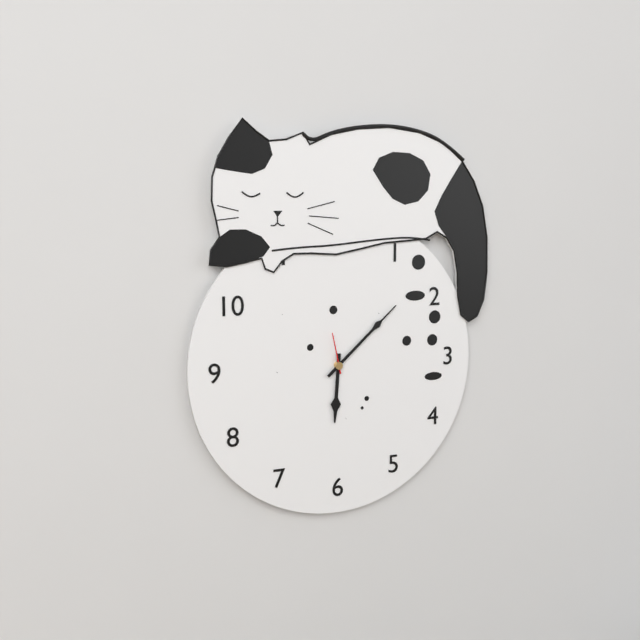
6:08
